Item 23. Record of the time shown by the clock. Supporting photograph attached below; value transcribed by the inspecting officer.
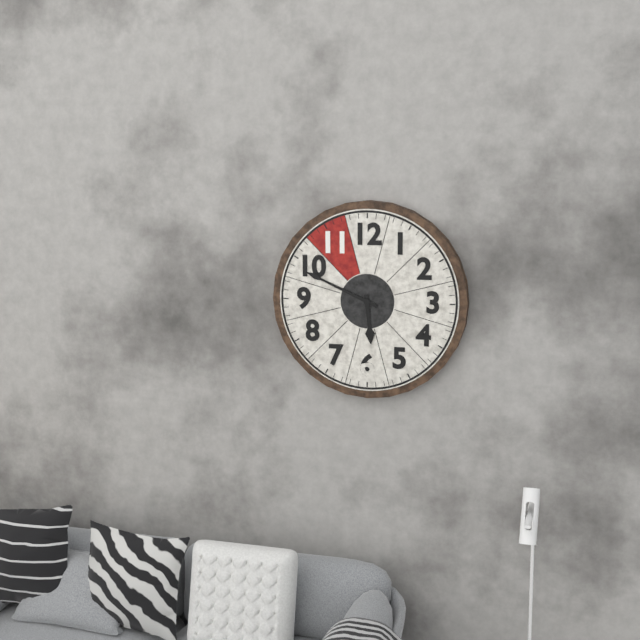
5:49
